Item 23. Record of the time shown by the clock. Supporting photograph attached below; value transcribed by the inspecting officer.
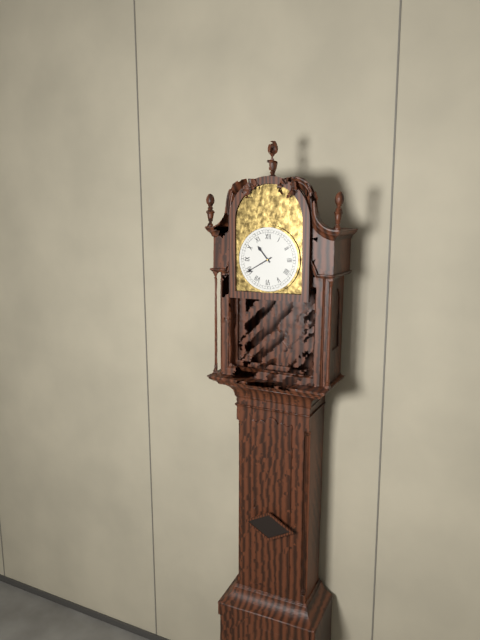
10:40
